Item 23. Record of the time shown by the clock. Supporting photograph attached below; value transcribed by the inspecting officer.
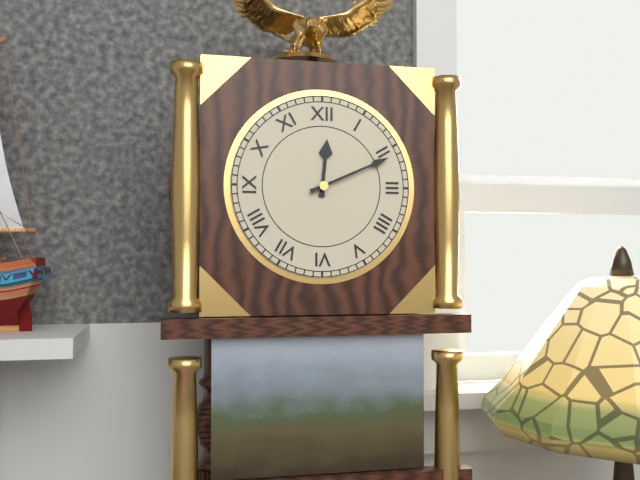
12:11
